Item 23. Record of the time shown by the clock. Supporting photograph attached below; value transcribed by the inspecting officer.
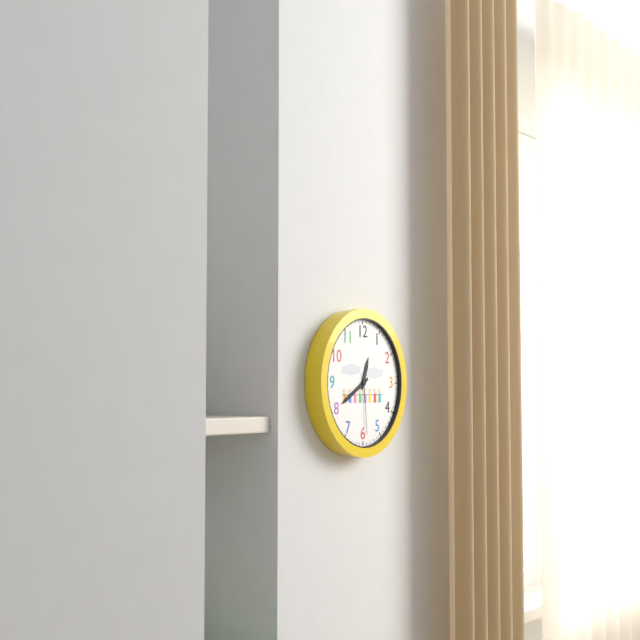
12:40:29
